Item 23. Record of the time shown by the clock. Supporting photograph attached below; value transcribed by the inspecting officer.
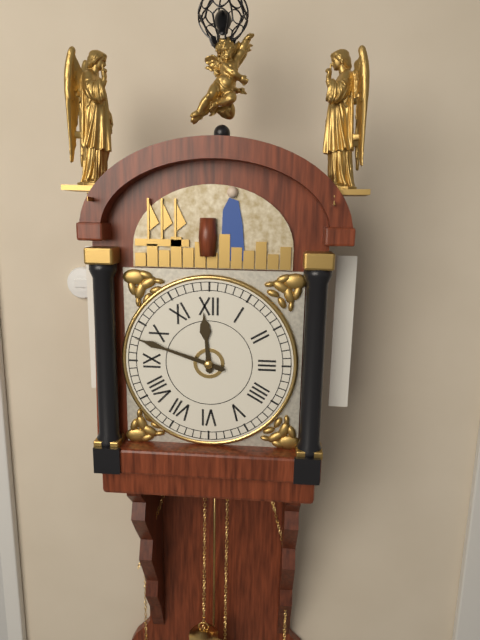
11:48
